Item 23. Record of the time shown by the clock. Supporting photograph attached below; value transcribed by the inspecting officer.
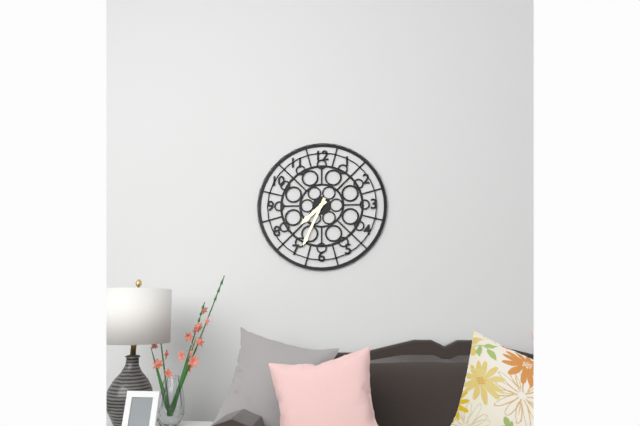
7:34
